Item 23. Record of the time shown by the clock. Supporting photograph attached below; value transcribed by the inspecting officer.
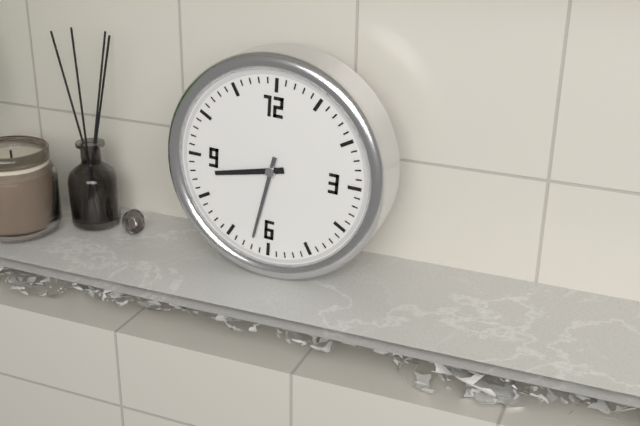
8:32
